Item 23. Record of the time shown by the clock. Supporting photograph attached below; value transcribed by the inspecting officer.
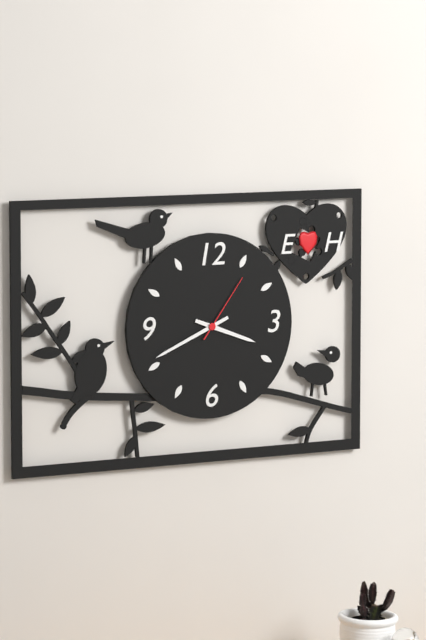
3:41:06
